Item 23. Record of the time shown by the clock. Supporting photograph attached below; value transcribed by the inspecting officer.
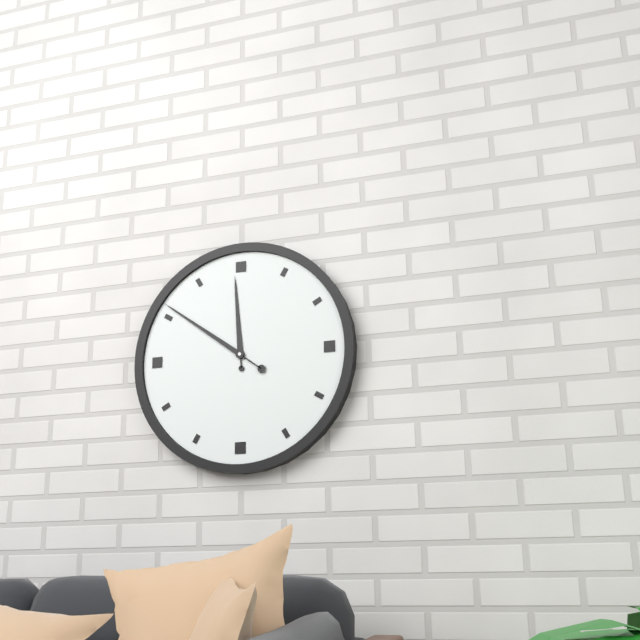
11:51
